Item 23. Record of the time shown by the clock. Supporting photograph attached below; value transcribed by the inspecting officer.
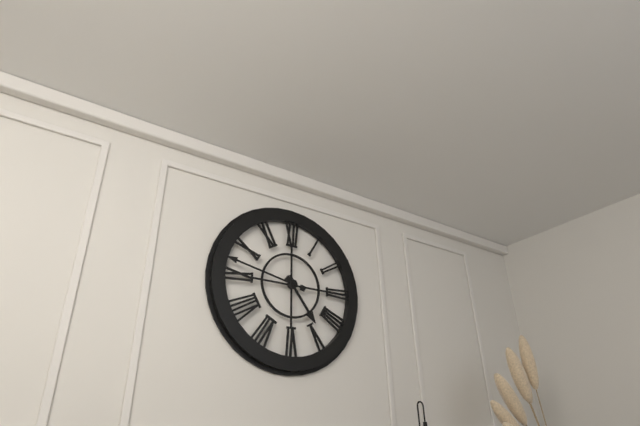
4:47
